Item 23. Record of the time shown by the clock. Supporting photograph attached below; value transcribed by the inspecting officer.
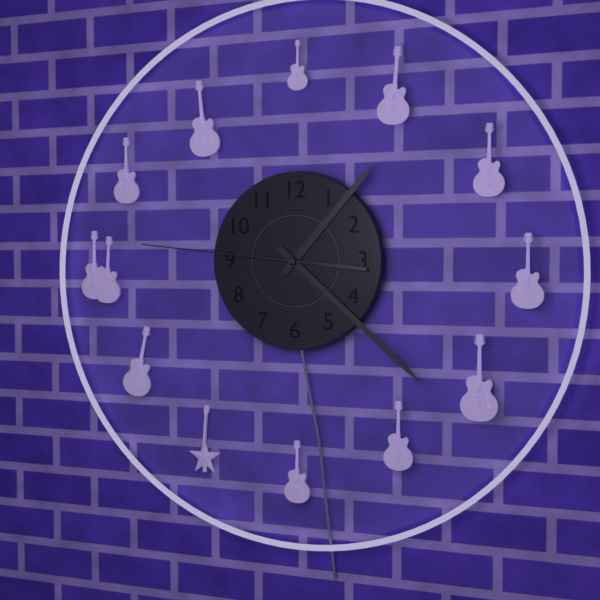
1:22:46
